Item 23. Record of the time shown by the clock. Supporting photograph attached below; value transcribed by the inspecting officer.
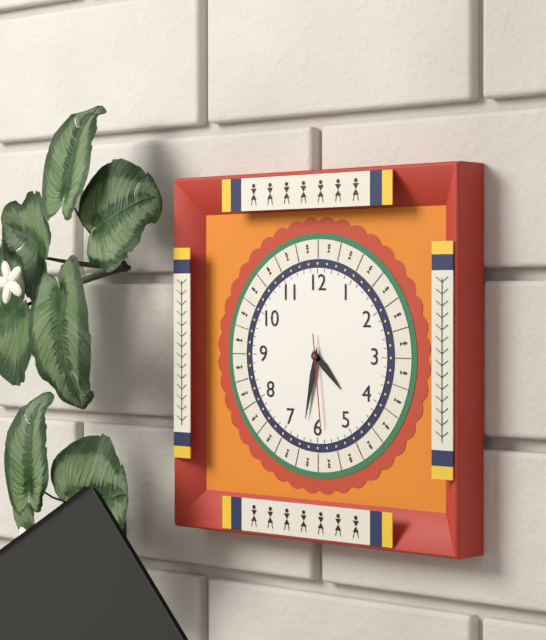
4:32:29
